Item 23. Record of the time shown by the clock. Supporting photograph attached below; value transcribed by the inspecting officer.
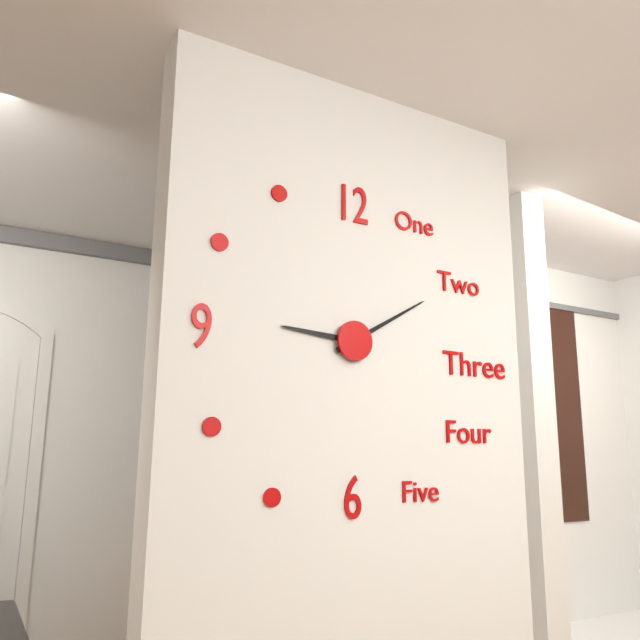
9:10
